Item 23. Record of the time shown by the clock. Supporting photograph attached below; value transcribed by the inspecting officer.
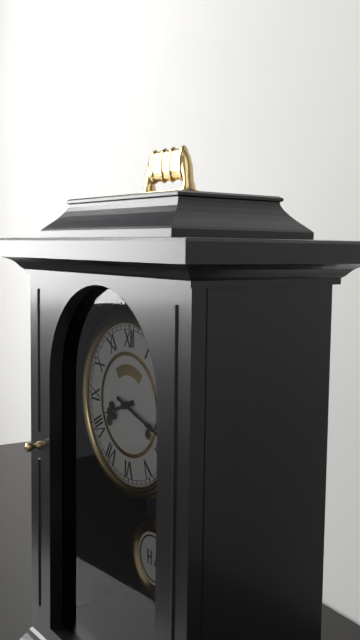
8:18
